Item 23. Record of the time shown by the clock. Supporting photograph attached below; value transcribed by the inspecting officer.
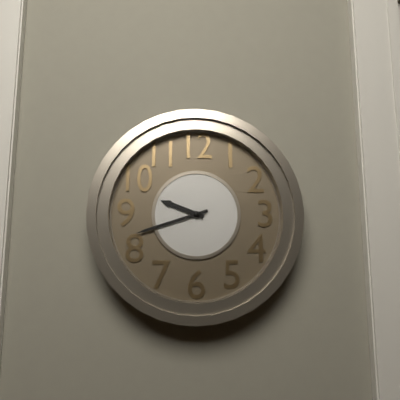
9:42
